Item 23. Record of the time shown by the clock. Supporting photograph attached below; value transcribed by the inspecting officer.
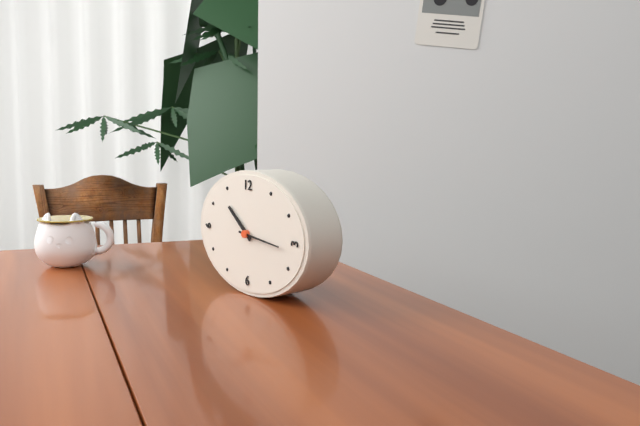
10:16
